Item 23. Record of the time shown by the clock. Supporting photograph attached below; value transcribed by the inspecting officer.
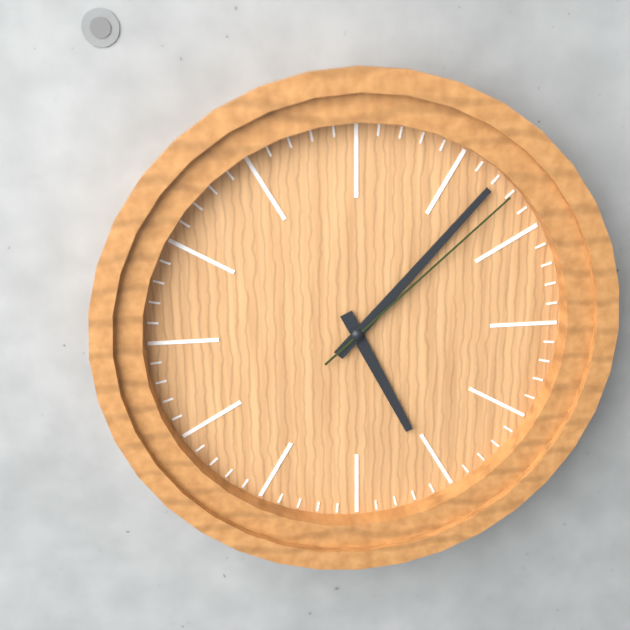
5:07:08
